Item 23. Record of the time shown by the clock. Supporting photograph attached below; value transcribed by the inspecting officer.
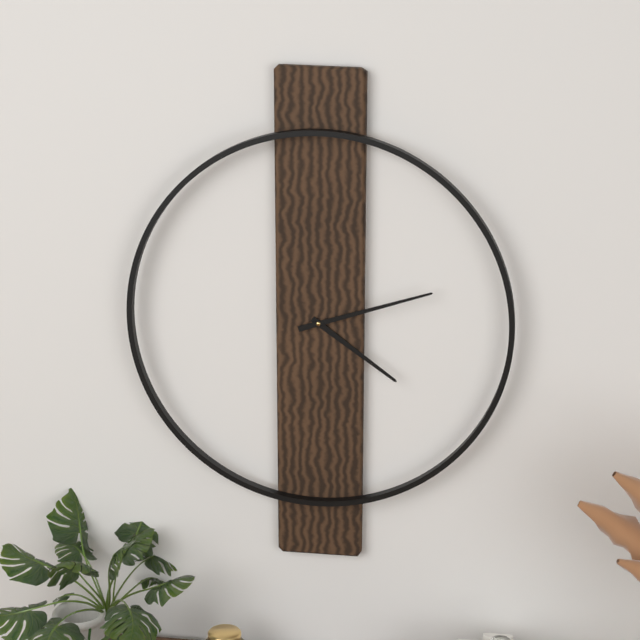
4:12
